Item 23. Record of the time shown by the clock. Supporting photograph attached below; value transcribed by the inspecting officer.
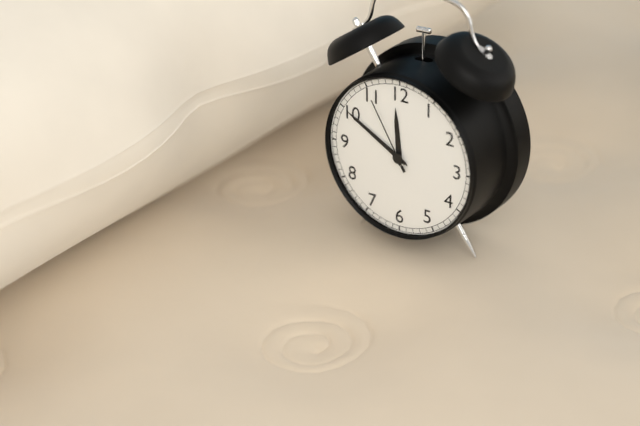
11:50:55
